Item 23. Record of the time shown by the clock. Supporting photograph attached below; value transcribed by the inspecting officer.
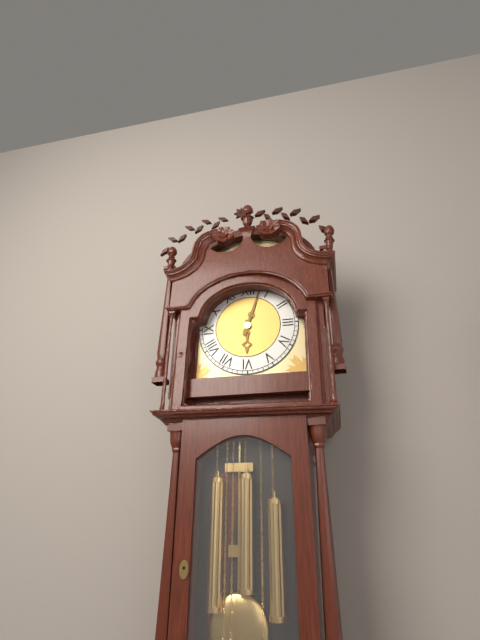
6:03
